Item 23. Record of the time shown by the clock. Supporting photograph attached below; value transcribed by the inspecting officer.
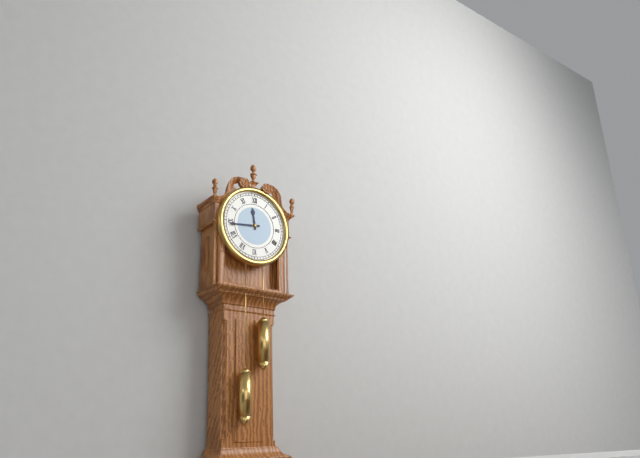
11:44
